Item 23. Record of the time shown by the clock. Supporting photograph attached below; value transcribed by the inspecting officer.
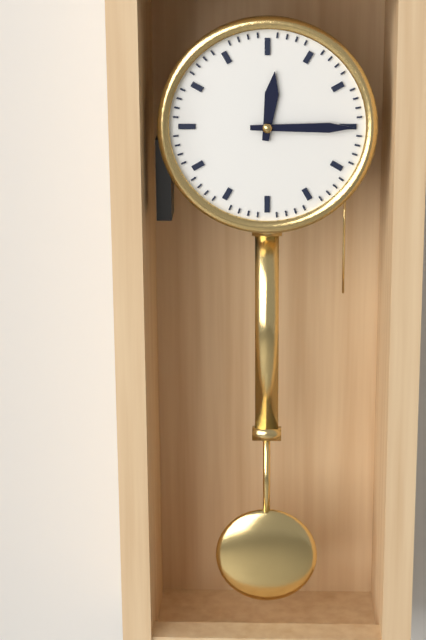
12:15
